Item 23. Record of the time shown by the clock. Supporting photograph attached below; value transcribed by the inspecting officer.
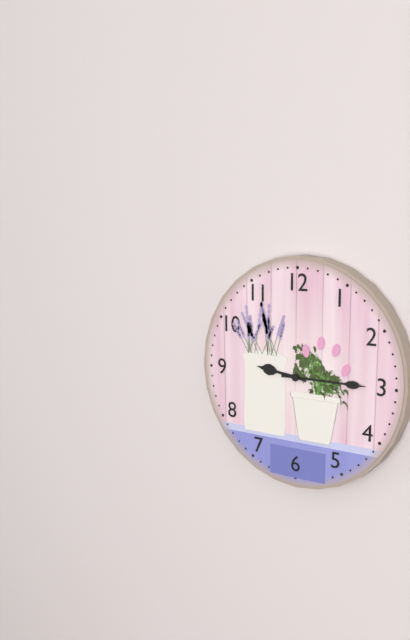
9:15
